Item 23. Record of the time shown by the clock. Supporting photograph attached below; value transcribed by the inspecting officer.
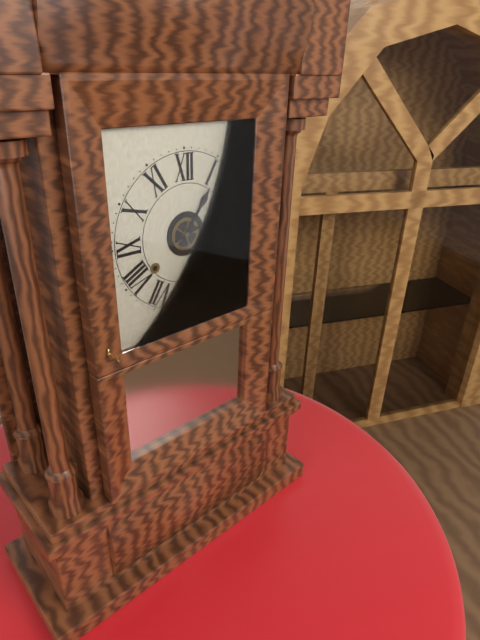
1:12
